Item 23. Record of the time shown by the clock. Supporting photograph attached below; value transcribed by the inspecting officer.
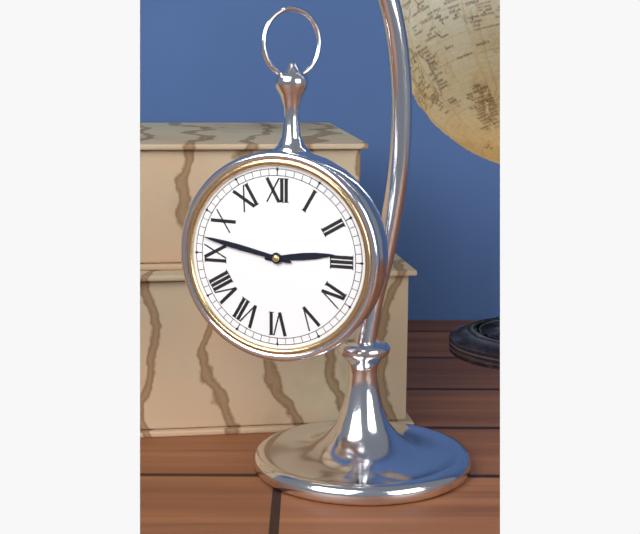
2:47
